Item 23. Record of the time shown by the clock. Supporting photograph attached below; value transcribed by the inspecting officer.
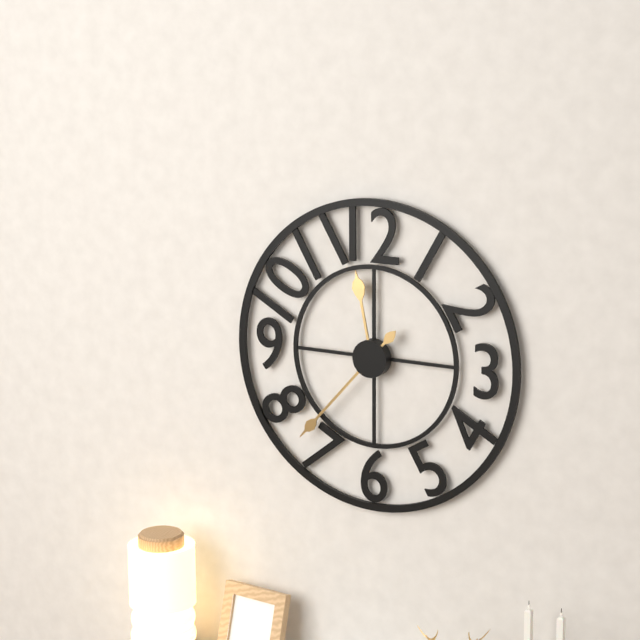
11:37
